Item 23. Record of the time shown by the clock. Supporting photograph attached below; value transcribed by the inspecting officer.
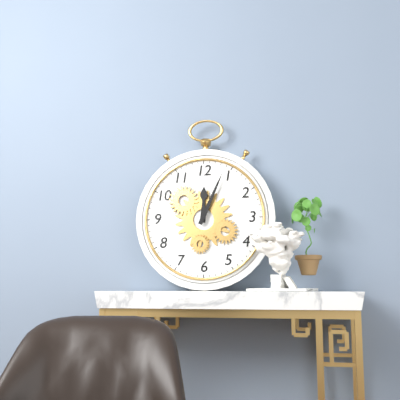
12:04
